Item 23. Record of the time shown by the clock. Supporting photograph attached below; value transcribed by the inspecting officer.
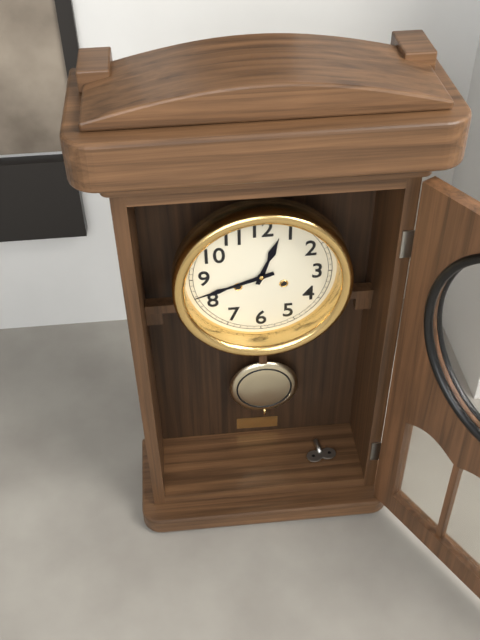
12:42
